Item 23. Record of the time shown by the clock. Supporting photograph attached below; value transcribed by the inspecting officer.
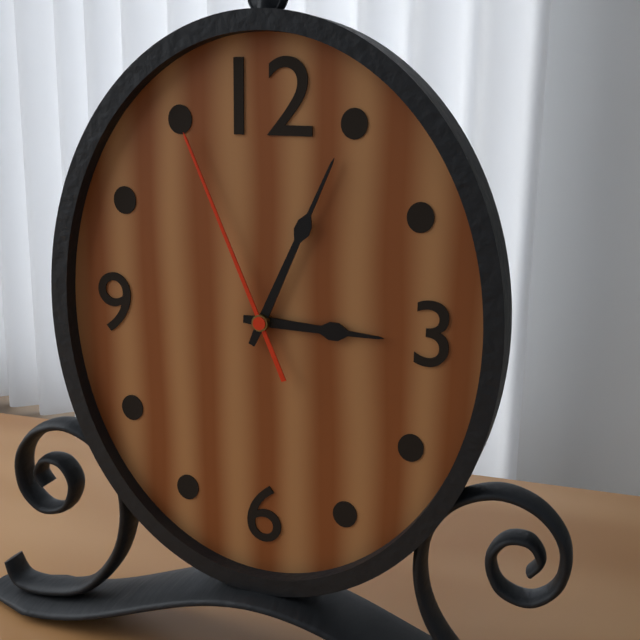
3:04:56
